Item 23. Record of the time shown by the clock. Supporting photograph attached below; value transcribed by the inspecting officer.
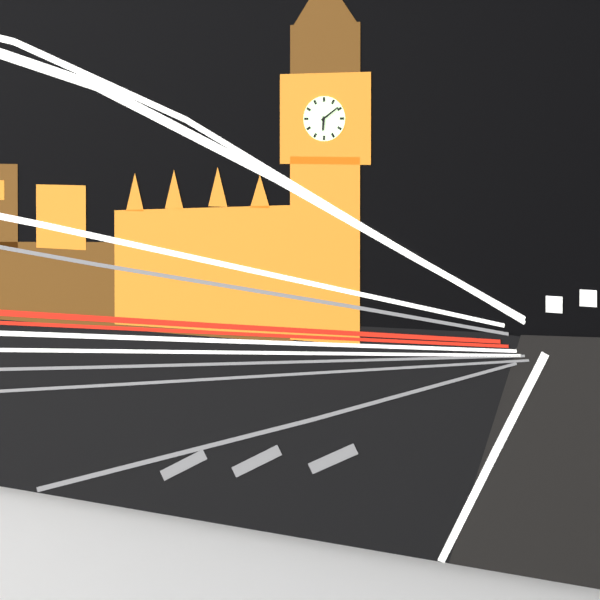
6:09
